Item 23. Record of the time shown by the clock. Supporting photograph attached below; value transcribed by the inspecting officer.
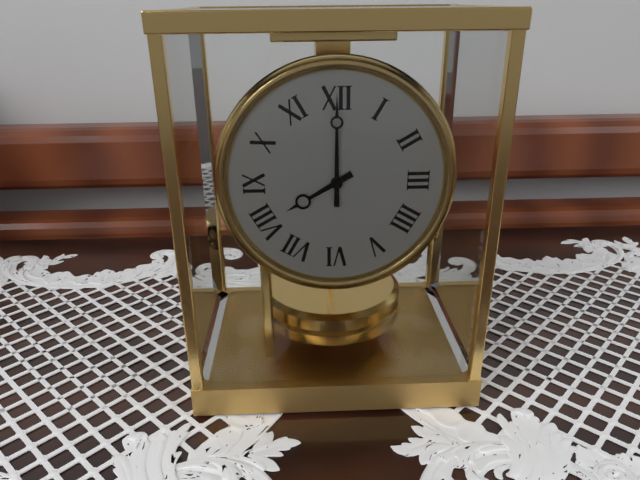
8:00
